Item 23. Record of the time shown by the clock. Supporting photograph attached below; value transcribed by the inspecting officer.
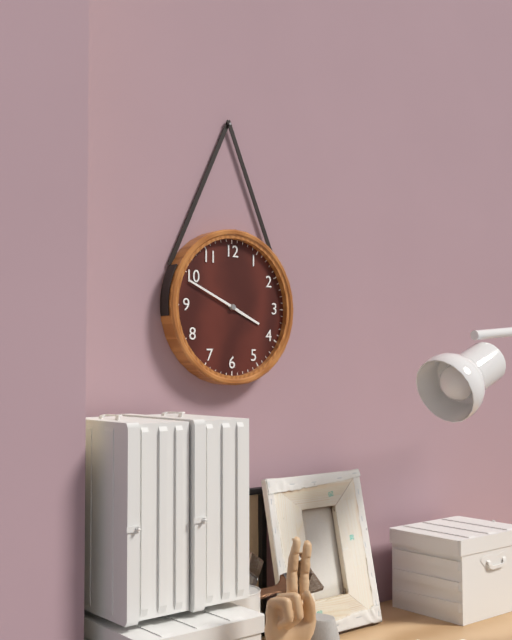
3:49
